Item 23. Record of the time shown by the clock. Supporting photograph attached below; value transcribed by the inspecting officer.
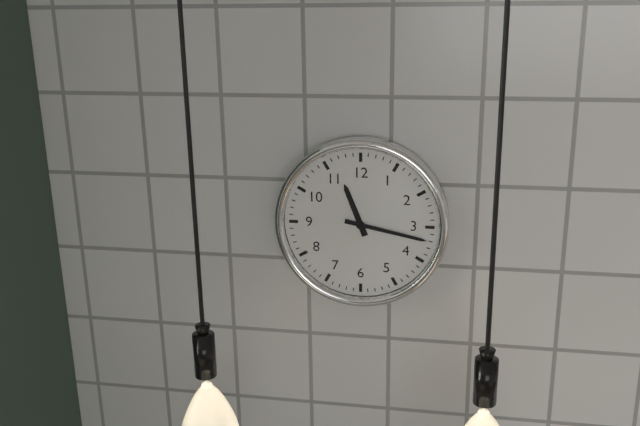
11:17
